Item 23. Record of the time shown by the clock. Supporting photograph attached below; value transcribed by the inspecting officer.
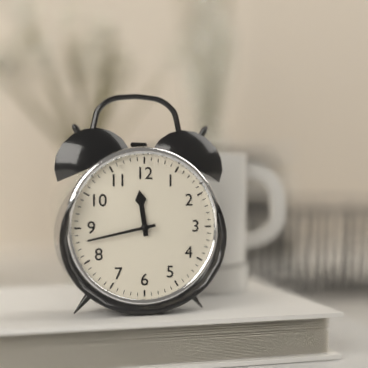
11:43
